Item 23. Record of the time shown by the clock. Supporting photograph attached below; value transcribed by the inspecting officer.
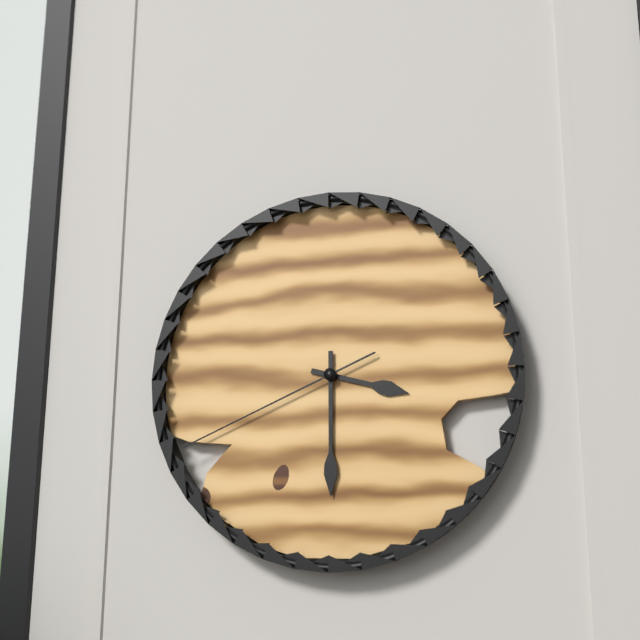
3:30:41
